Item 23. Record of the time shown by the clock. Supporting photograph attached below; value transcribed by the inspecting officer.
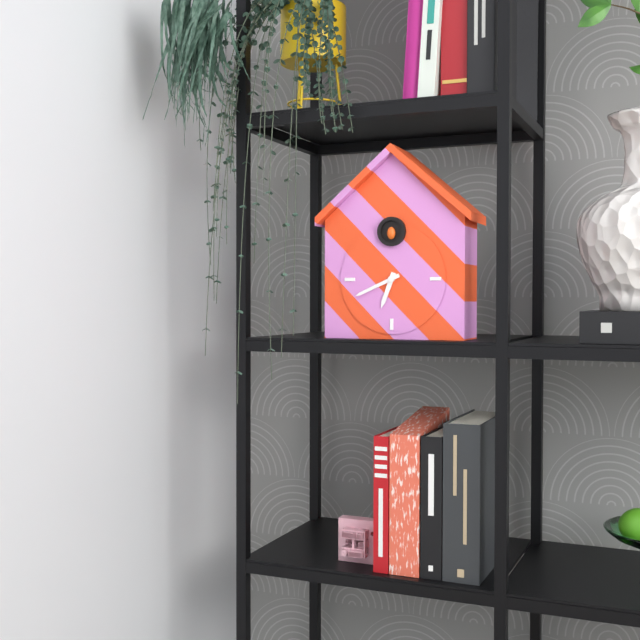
6:41
